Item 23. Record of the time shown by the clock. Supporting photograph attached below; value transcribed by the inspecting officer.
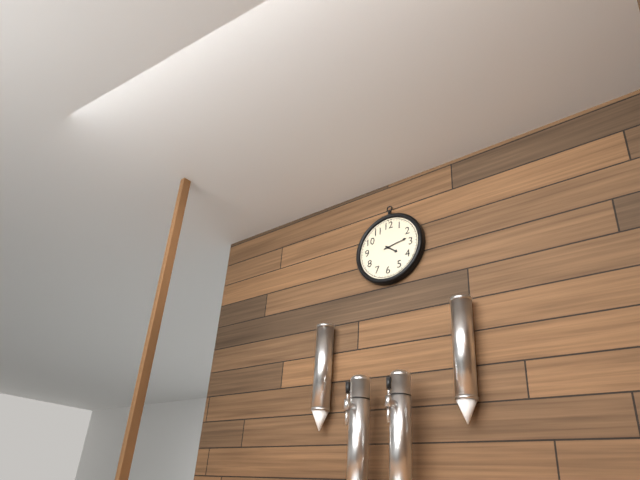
4:13
